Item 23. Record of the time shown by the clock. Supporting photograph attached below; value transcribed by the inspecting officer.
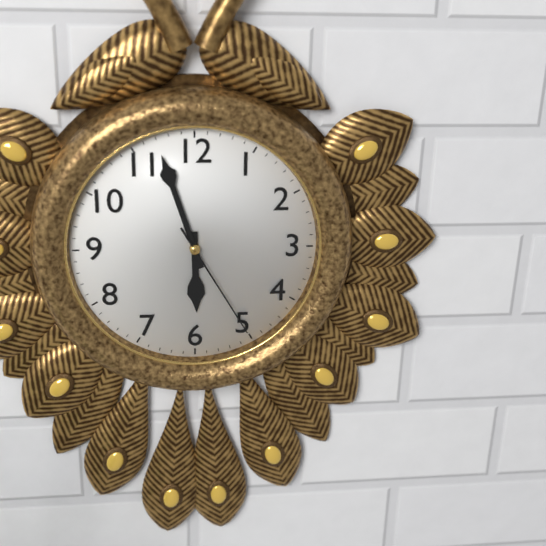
5:57:25
